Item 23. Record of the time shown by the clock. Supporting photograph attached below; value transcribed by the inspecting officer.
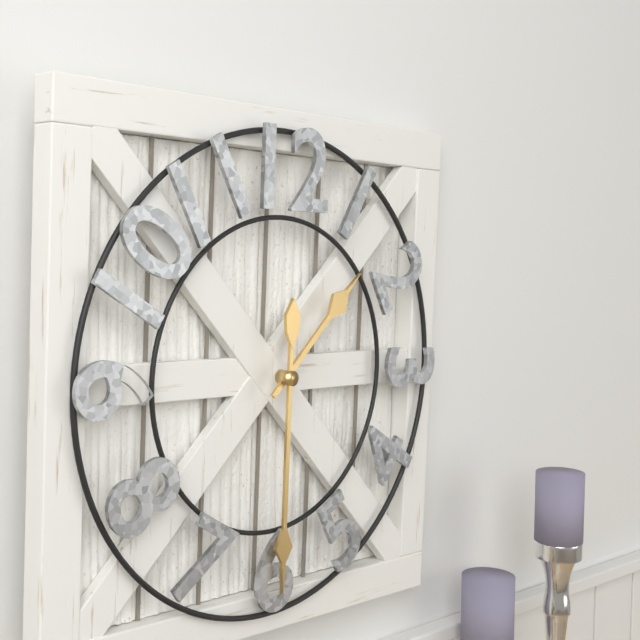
1:30
